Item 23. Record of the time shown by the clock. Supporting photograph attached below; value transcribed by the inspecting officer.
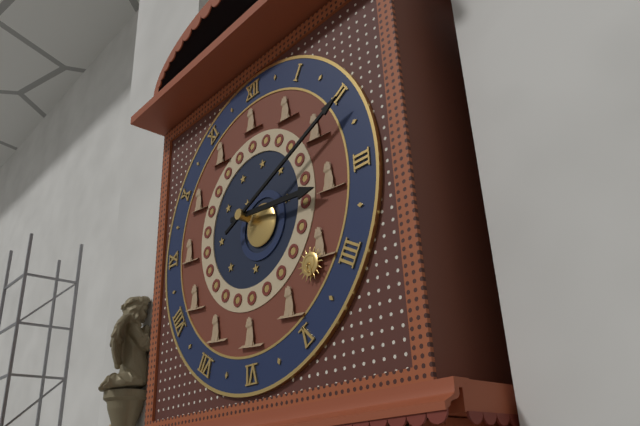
3:11
